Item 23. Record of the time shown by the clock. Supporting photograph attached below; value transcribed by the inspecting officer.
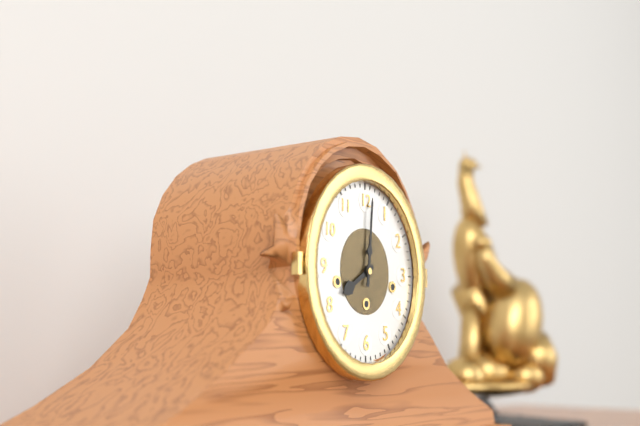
8:01
